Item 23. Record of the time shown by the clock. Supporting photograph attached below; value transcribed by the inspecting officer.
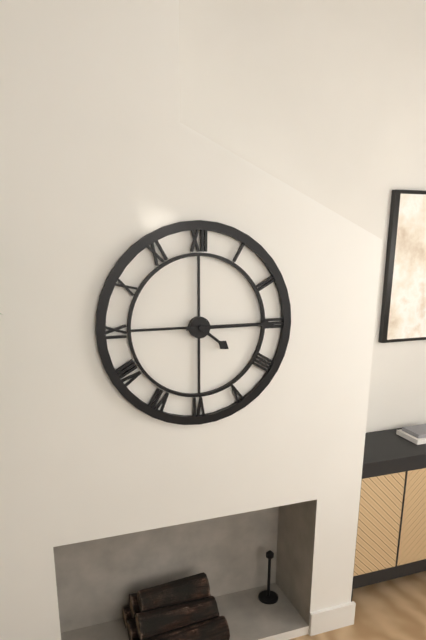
4:15
